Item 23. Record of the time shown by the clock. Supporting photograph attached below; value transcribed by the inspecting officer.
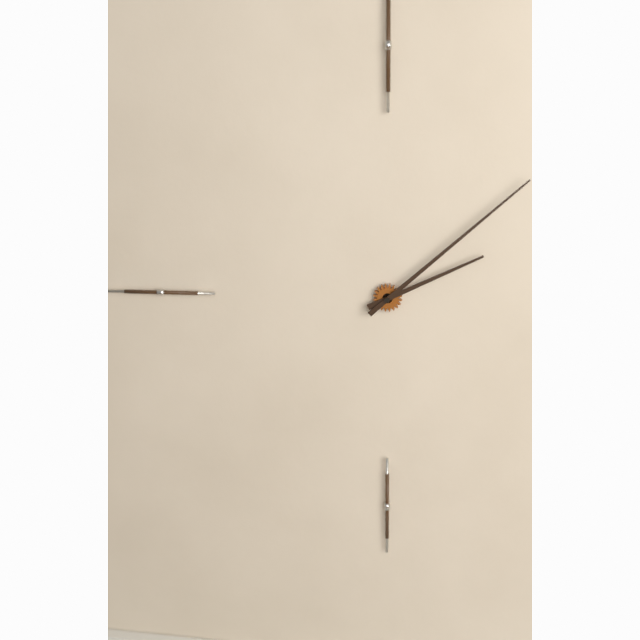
2:08
